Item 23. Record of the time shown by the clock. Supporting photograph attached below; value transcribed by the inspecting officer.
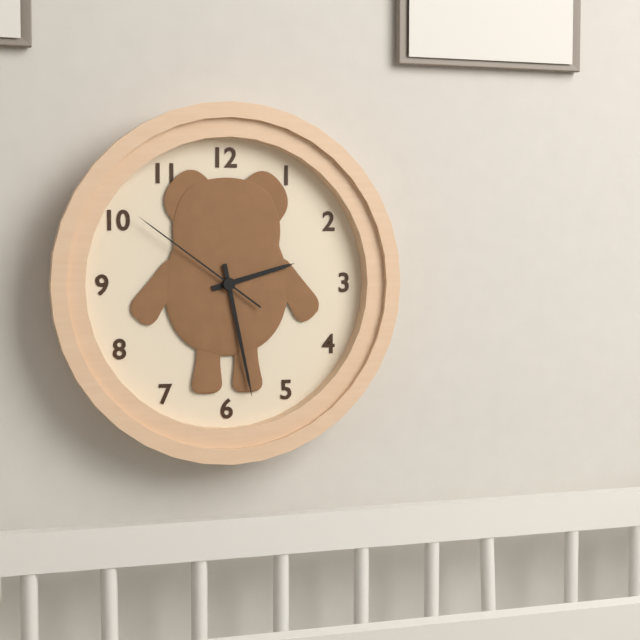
2:28:51
